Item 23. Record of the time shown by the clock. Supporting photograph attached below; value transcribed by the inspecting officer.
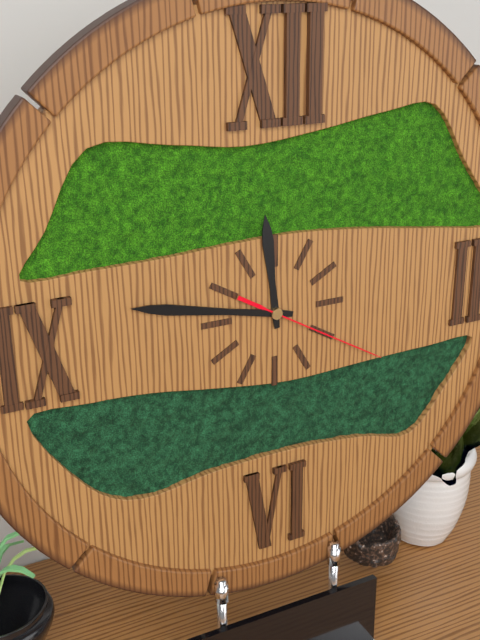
11:47:20
